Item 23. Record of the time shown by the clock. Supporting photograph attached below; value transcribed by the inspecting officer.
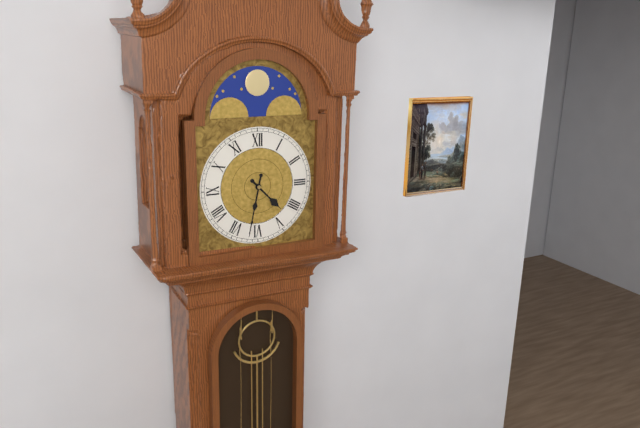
4:32
